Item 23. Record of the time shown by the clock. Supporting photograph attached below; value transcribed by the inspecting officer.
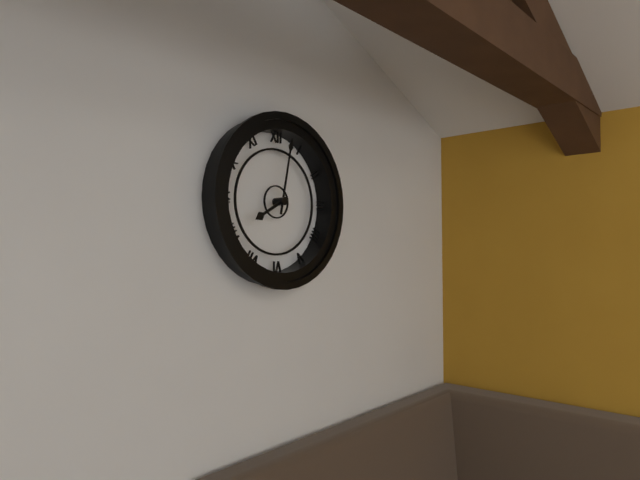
8:02
